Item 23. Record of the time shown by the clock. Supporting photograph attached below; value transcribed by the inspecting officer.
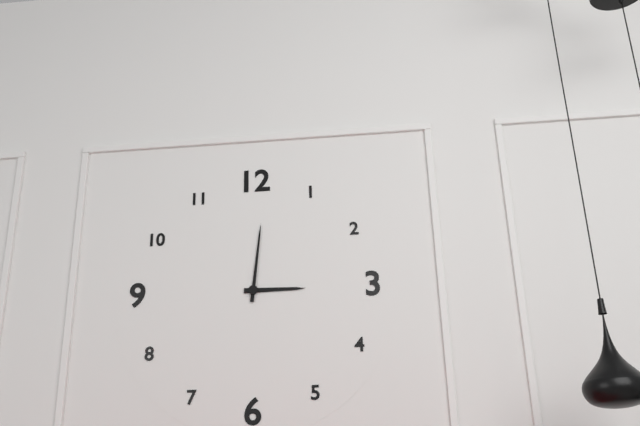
3:01
